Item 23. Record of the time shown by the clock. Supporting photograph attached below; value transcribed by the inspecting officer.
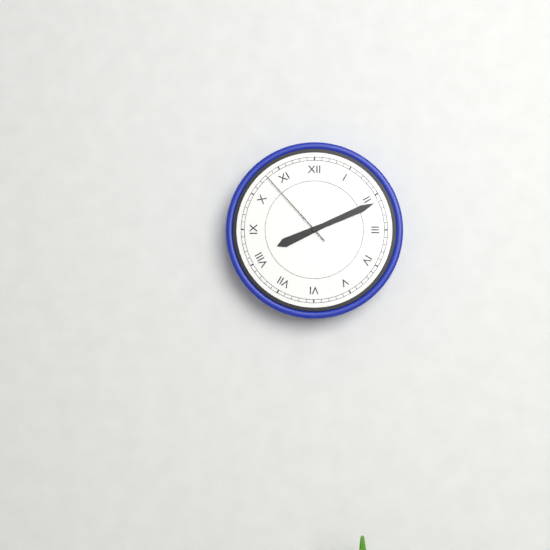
8:11:53
